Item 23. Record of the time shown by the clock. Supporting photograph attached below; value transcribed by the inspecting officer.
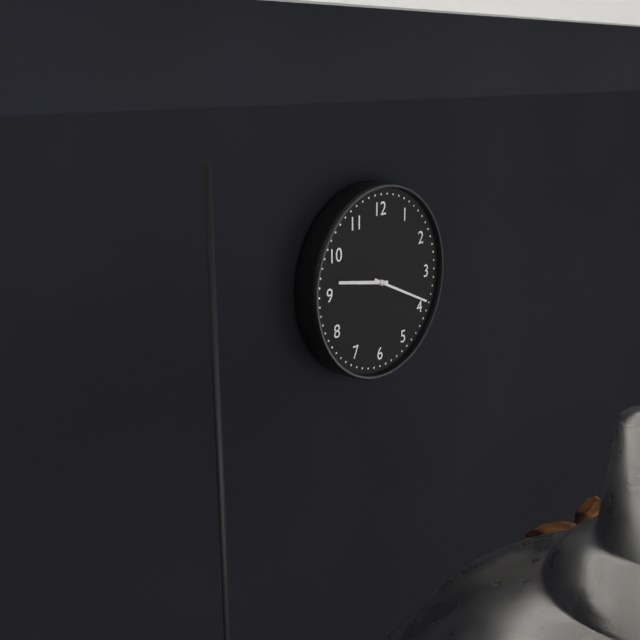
9:19
